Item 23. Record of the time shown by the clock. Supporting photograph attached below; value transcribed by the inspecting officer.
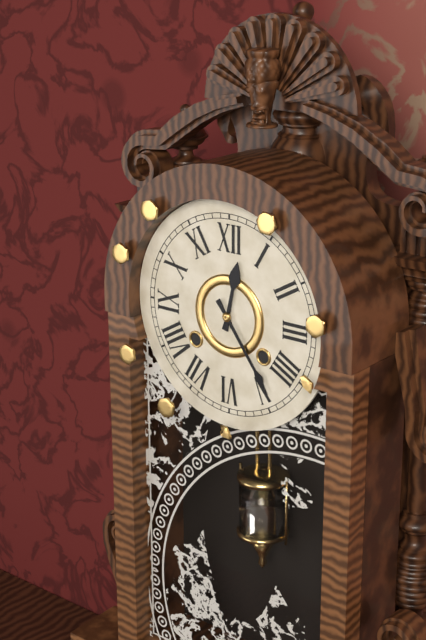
12:24
